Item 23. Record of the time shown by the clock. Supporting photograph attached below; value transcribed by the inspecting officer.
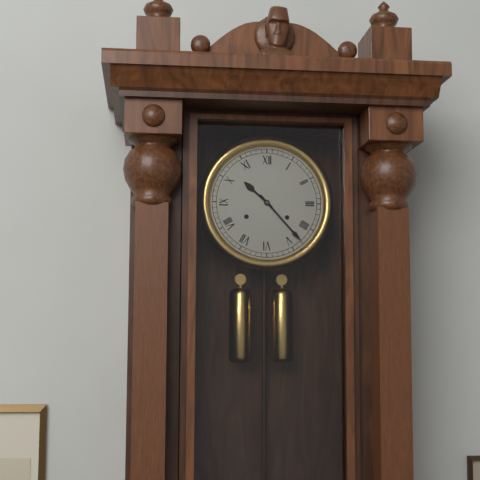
10:23
